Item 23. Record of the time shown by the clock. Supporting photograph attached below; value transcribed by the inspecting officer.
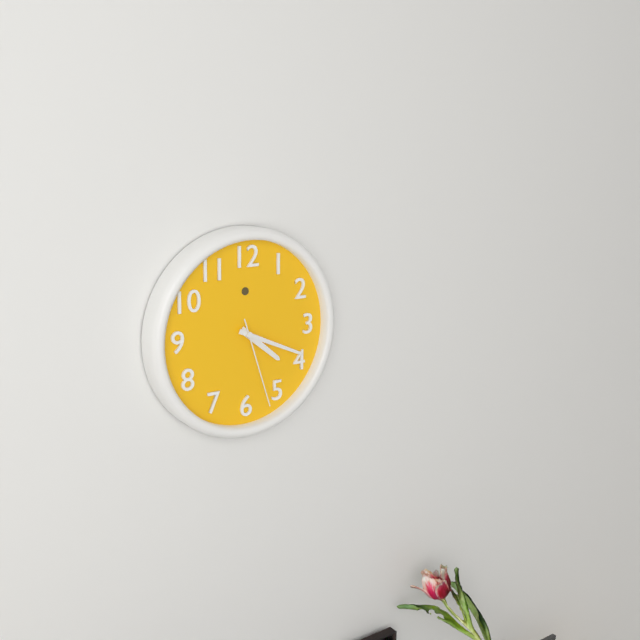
4:19:27
